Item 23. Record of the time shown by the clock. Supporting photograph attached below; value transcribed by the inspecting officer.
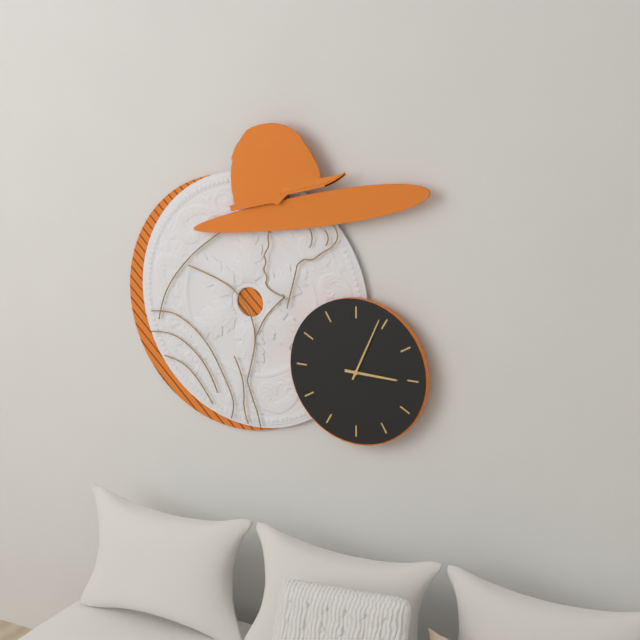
3:04
